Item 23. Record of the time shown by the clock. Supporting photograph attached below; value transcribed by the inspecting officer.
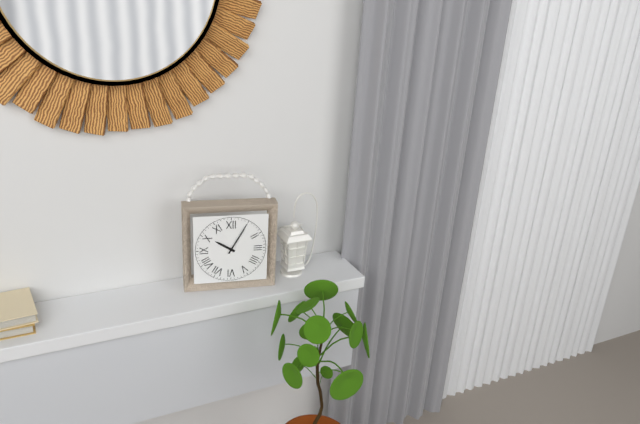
10:05
